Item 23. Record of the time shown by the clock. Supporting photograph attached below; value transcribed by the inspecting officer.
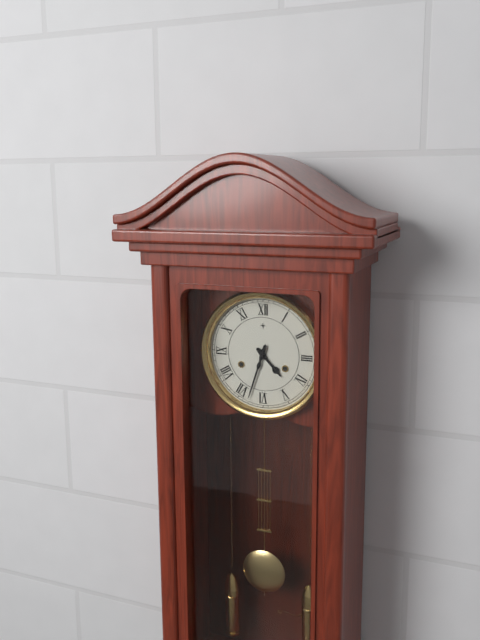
4:33
